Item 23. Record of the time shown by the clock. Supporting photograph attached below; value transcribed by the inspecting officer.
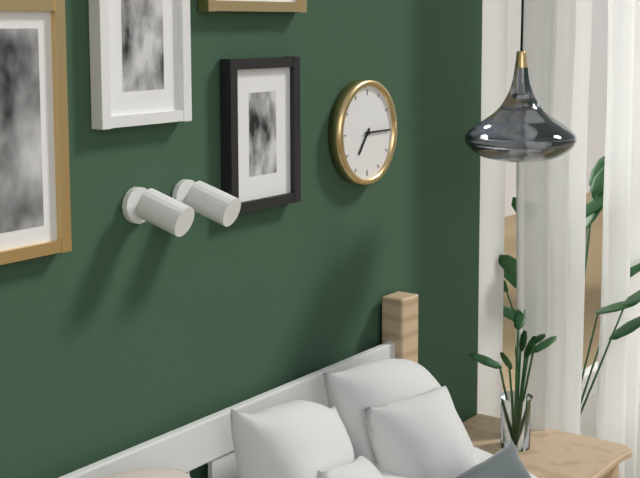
7:15
